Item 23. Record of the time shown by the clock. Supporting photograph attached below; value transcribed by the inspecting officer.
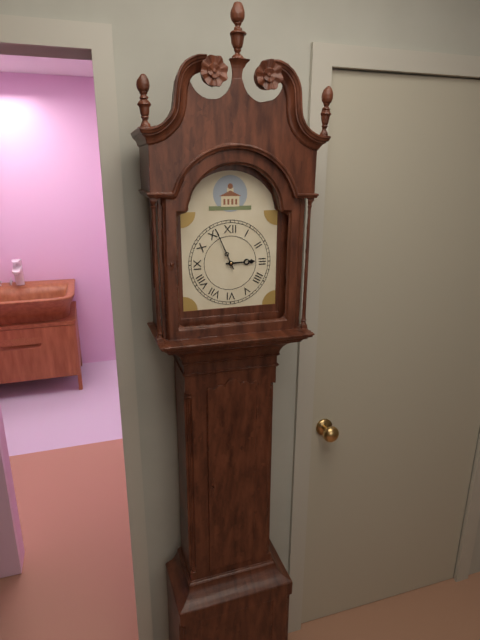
2:56
